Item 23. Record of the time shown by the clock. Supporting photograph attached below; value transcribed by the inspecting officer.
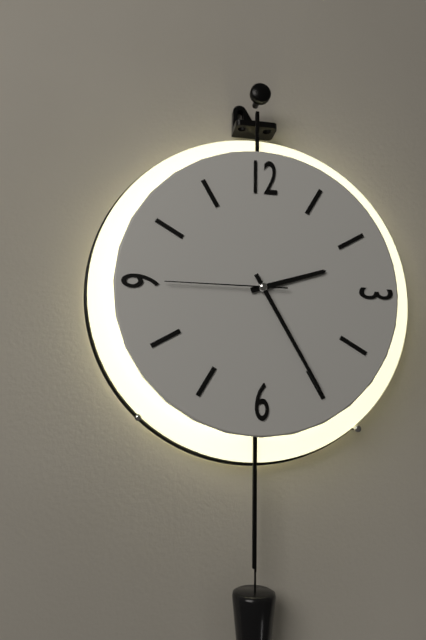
2:25:45
